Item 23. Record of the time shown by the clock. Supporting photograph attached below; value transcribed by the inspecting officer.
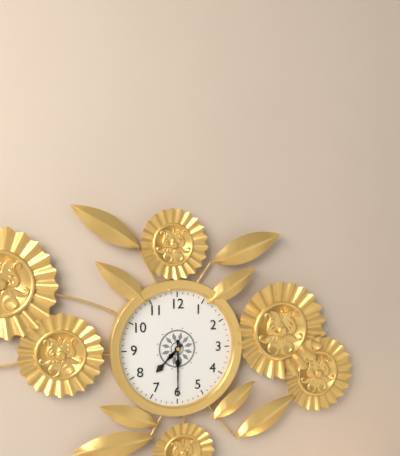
7:30
